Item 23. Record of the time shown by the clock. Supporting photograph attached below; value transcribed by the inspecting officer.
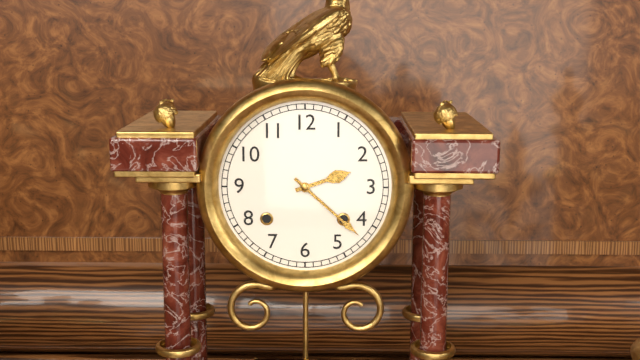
2:22
